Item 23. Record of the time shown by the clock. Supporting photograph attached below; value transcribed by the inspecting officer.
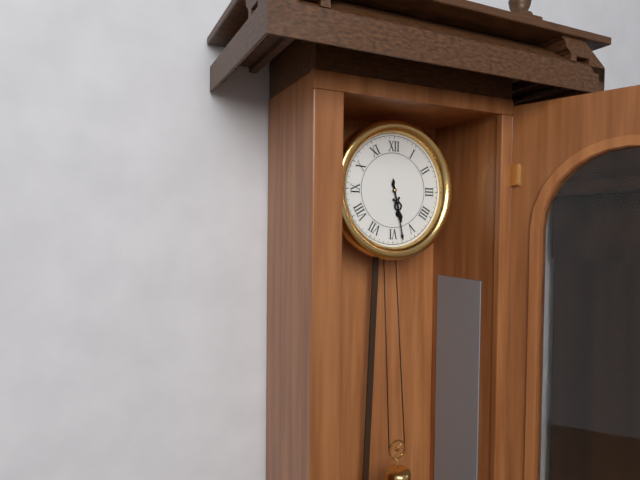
5:28
